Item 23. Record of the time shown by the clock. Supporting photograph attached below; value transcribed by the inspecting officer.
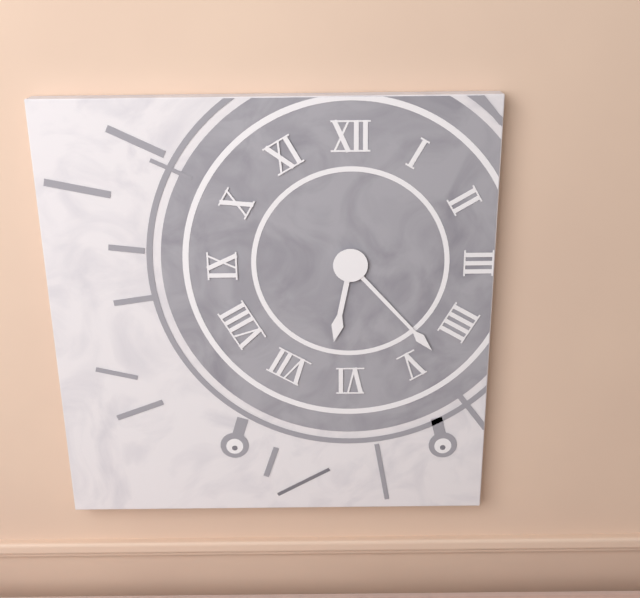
6:23
